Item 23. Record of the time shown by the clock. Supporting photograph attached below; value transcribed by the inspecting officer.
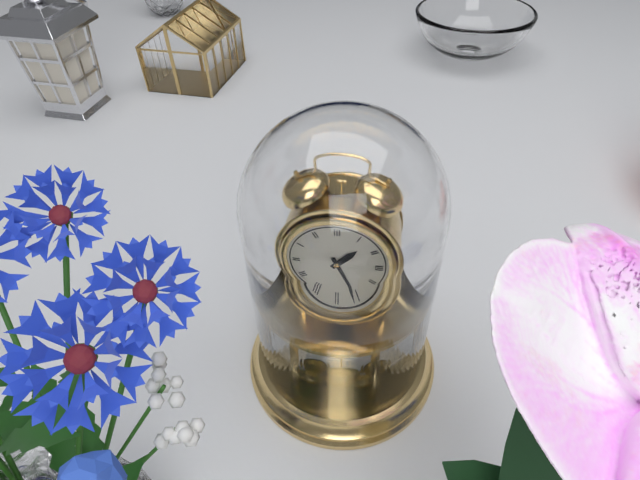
1:26
